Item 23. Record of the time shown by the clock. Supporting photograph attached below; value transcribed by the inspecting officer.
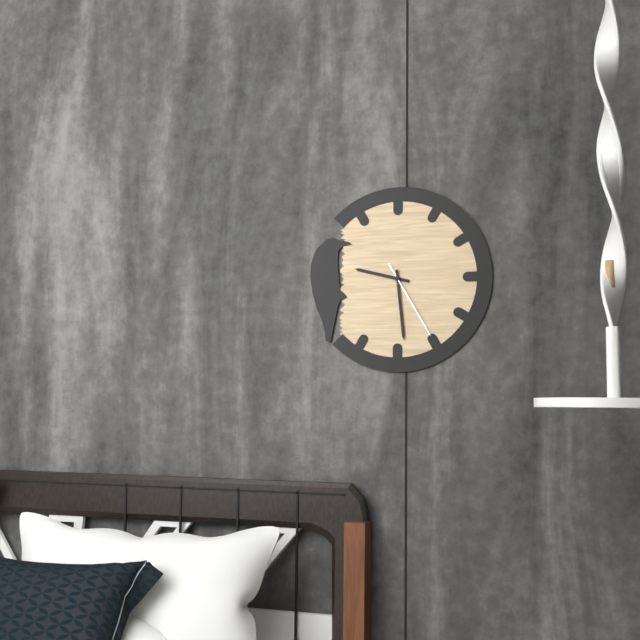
9:29:25
